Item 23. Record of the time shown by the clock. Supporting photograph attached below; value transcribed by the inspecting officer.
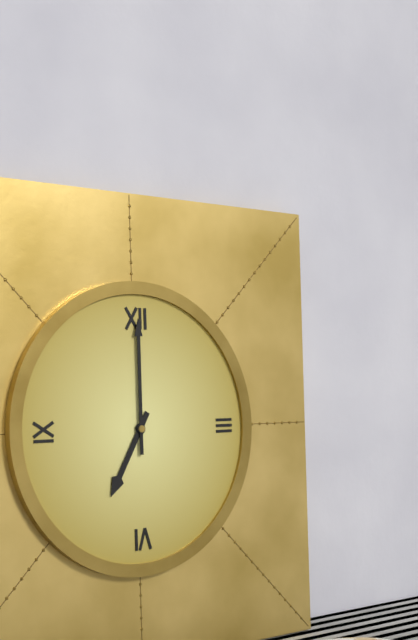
7:00
